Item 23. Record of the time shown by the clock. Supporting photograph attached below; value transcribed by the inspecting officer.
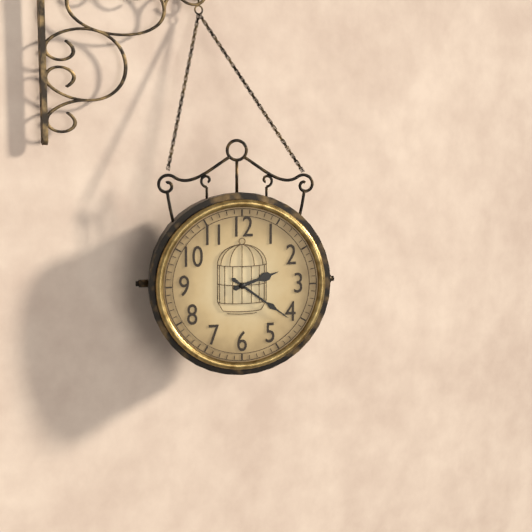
2:21
